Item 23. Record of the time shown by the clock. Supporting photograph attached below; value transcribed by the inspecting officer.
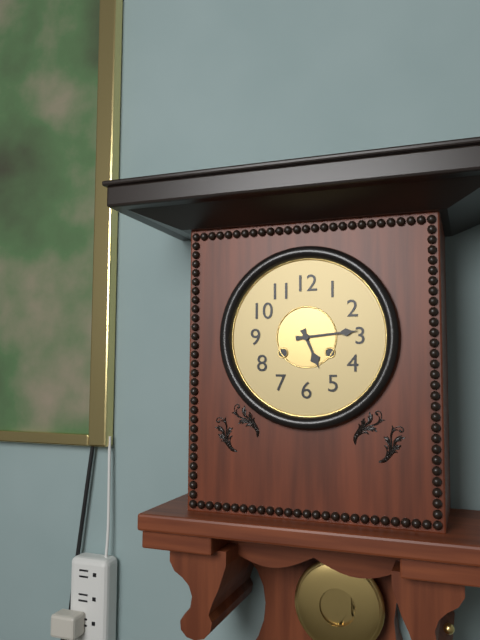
5:14
